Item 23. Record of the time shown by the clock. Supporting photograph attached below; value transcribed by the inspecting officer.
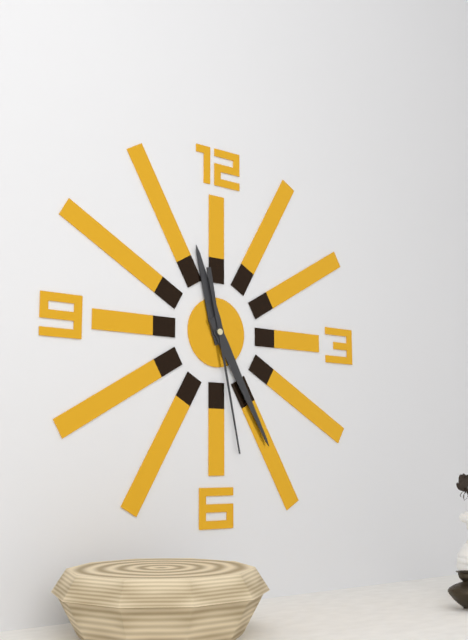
11:25:28
